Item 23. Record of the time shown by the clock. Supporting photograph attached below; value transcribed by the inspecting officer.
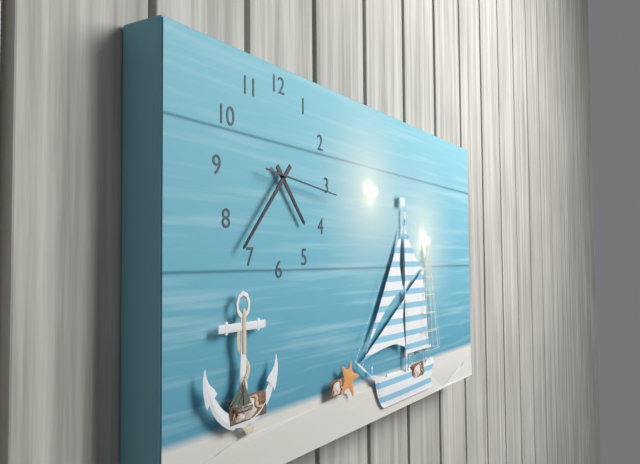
4:37:16
